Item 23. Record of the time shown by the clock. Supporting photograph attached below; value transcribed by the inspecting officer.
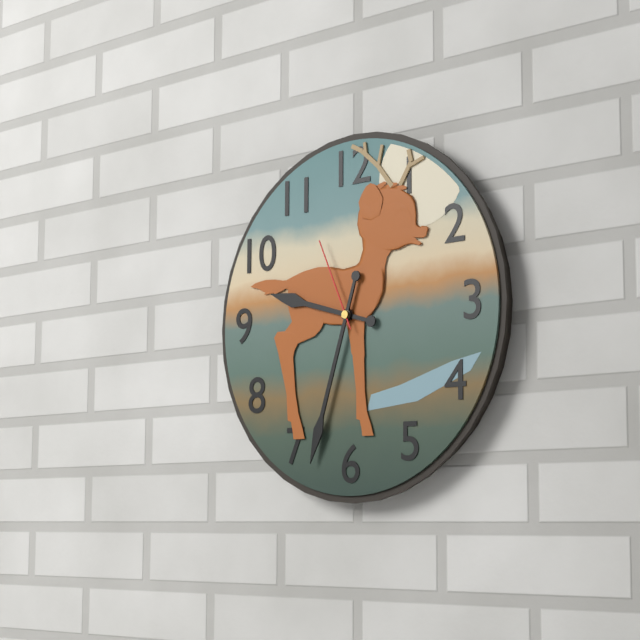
9:33:56
